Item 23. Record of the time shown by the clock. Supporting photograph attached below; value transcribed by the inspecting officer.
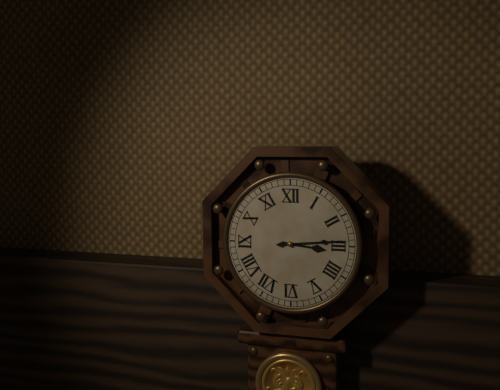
3:14
